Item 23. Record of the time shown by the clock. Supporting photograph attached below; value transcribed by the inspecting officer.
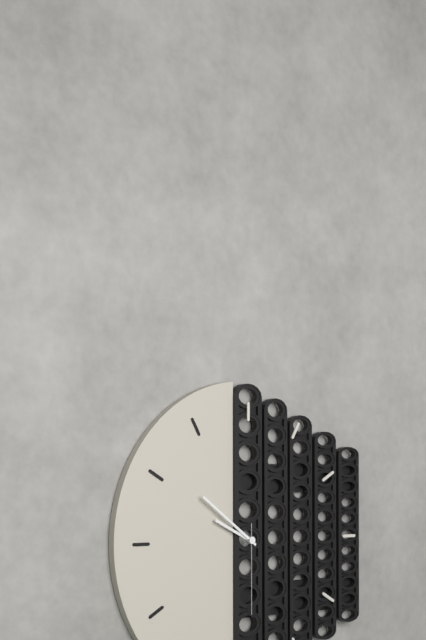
9:51:30
